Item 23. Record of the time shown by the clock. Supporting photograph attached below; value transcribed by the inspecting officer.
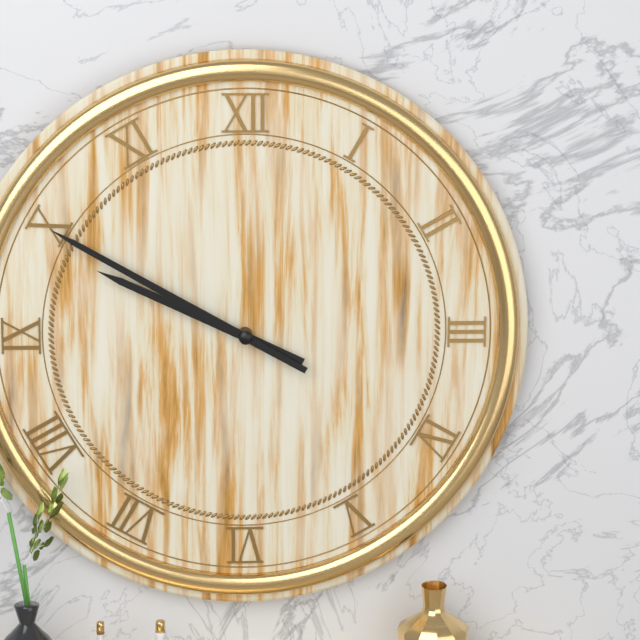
9:50
